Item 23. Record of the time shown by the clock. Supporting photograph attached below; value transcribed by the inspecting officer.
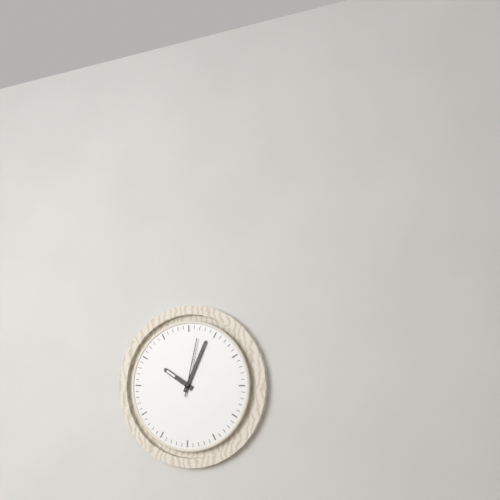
10:04:02
